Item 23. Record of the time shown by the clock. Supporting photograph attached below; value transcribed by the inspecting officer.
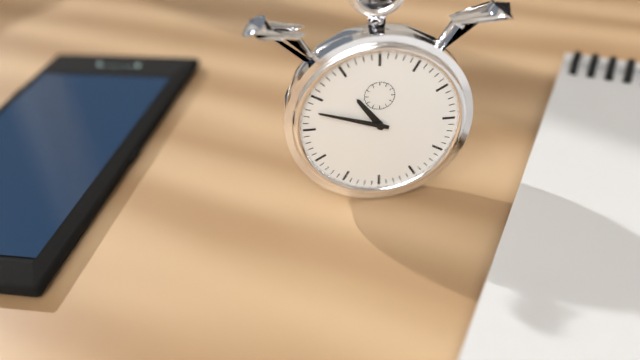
10:48
